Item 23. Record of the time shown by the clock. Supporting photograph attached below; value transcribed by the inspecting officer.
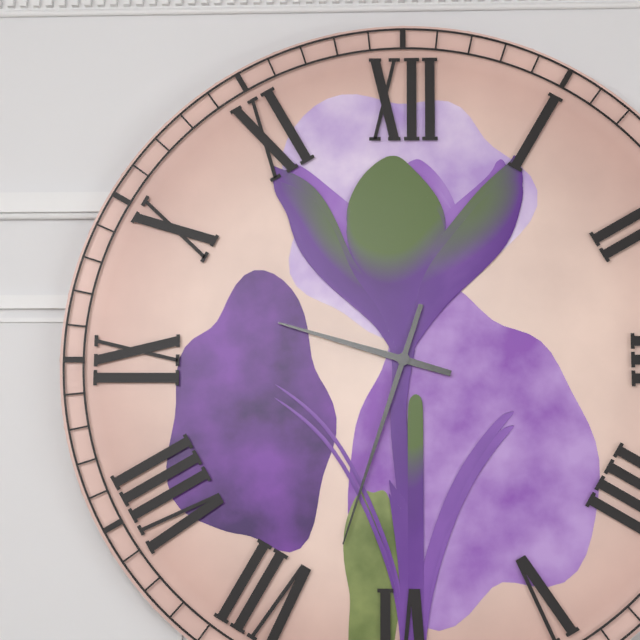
9:33
